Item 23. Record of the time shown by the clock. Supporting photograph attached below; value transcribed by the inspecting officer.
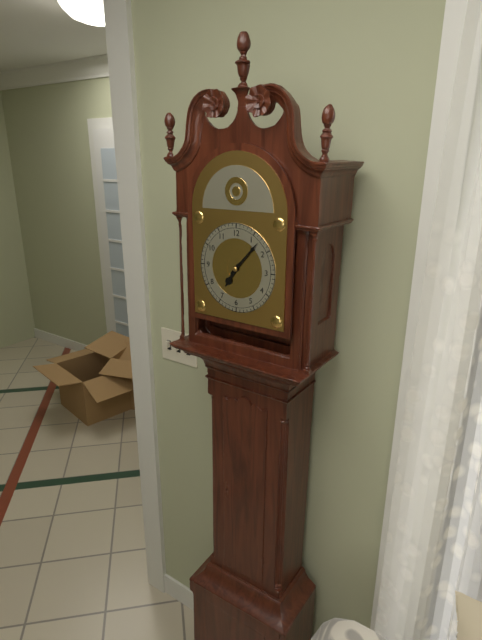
7:07
